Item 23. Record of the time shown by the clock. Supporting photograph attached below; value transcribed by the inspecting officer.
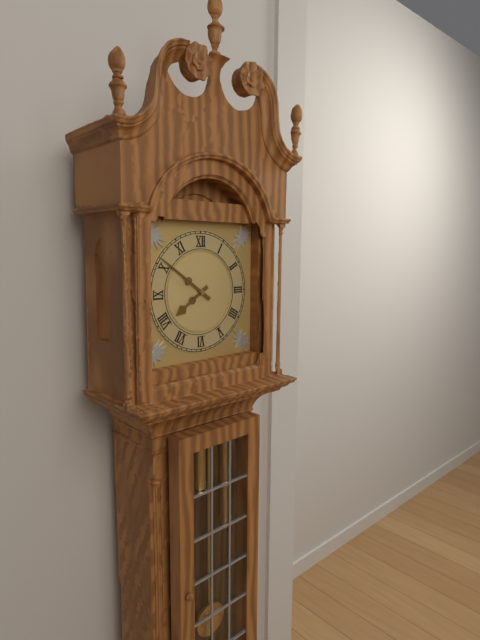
7:51
